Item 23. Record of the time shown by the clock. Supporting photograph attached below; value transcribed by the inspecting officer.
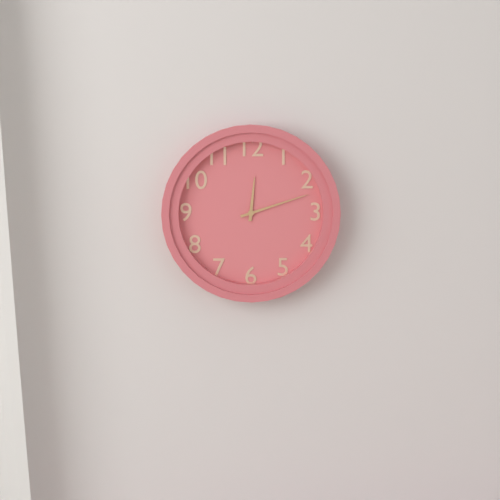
12:12
